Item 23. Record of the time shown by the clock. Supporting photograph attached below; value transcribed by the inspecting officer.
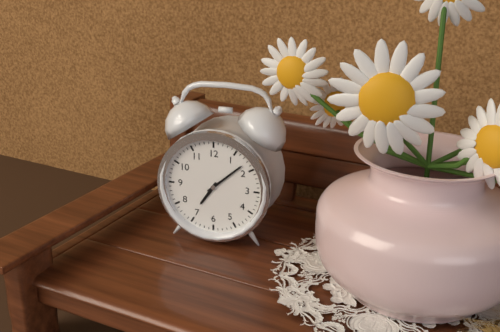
7:08
